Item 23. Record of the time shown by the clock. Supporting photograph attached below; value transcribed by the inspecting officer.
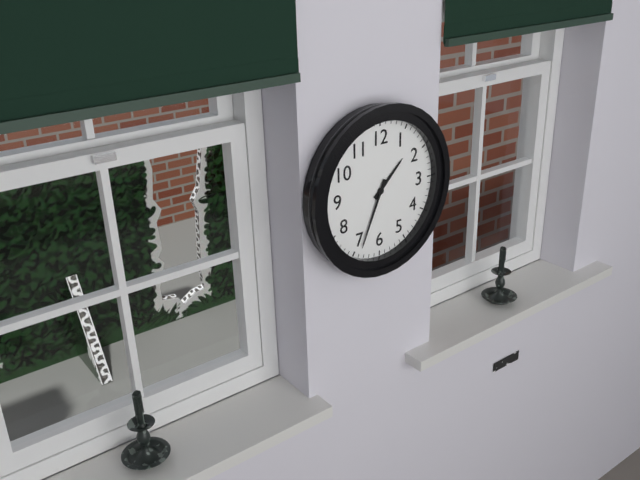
1:34
